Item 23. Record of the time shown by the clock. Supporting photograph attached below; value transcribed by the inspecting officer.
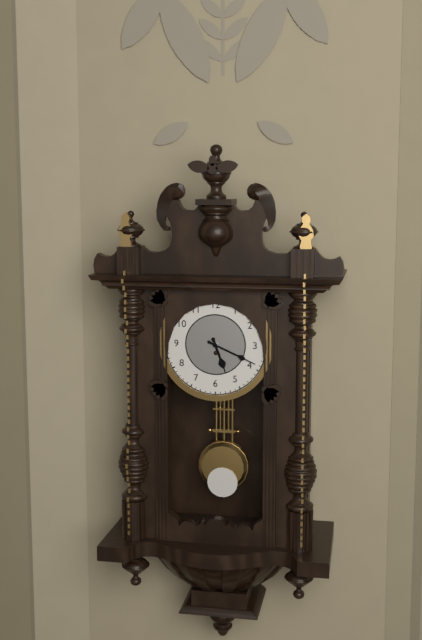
5:19
